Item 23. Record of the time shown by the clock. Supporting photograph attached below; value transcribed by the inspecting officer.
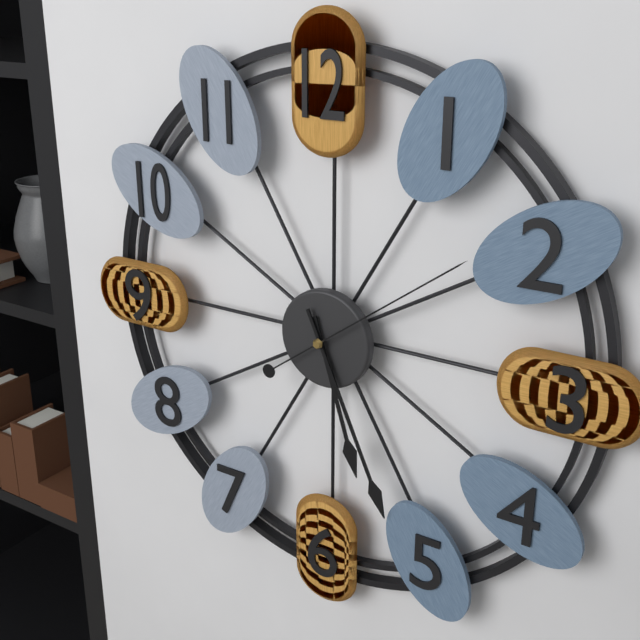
5:26:09
